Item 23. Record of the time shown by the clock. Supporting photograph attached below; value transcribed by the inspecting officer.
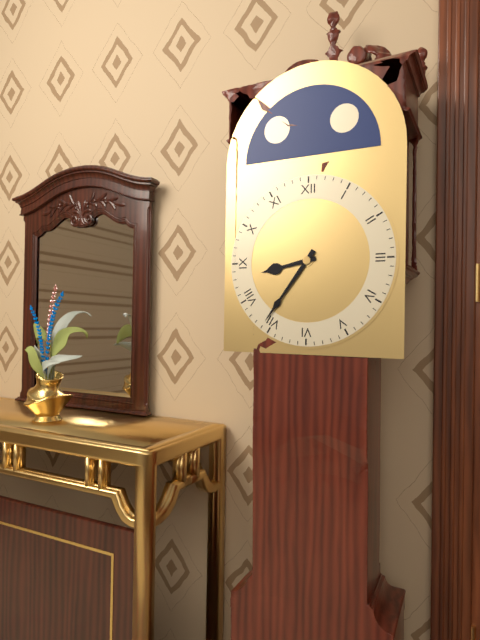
8:36
